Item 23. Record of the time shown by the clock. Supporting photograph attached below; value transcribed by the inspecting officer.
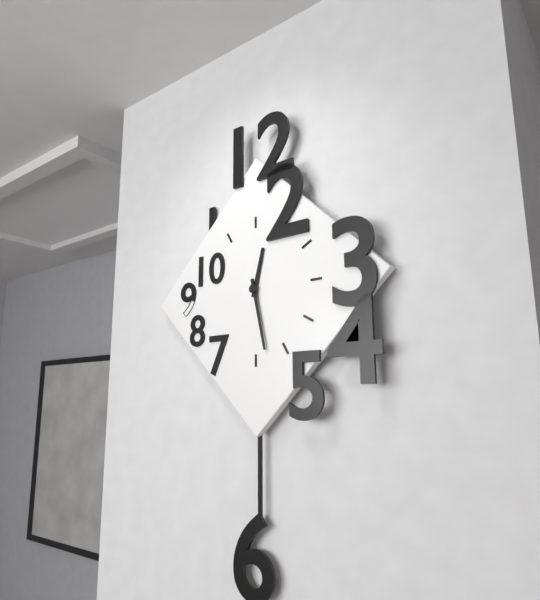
12:28
